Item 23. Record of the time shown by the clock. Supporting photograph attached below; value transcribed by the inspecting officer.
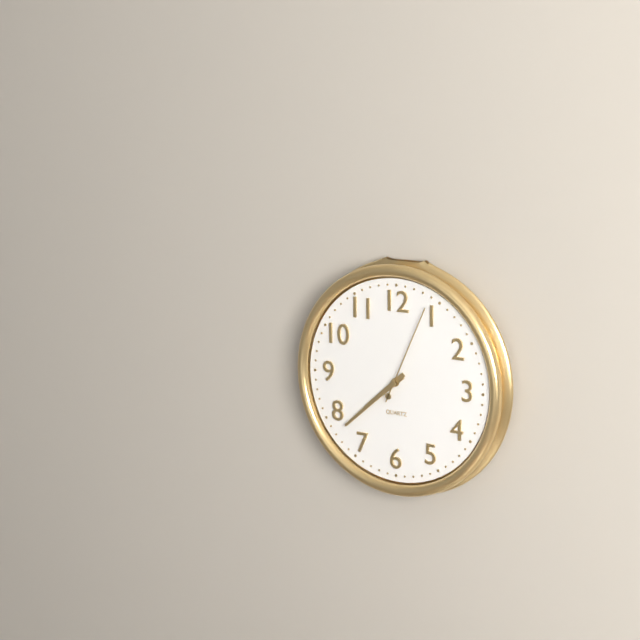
7:38:04
